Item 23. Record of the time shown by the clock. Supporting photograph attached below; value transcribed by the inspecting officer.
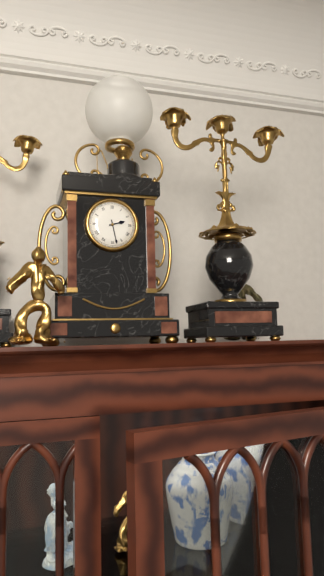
2:28
